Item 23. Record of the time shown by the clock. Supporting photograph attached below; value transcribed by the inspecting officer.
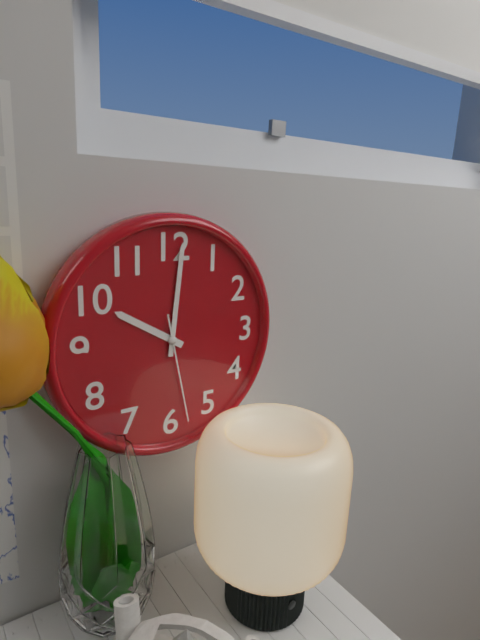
10:01:28
